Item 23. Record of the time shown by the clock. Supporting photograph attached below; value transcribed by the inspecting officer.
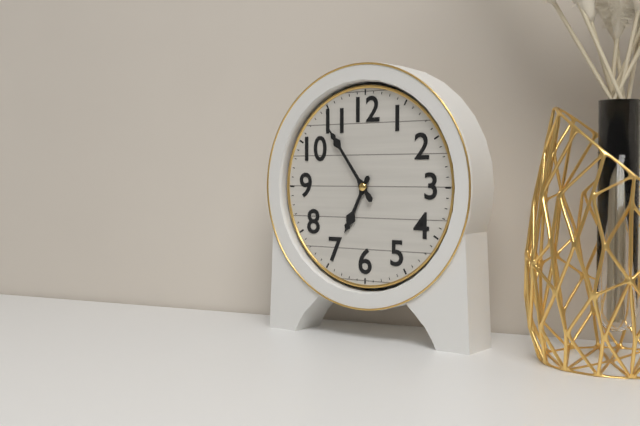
6:54
